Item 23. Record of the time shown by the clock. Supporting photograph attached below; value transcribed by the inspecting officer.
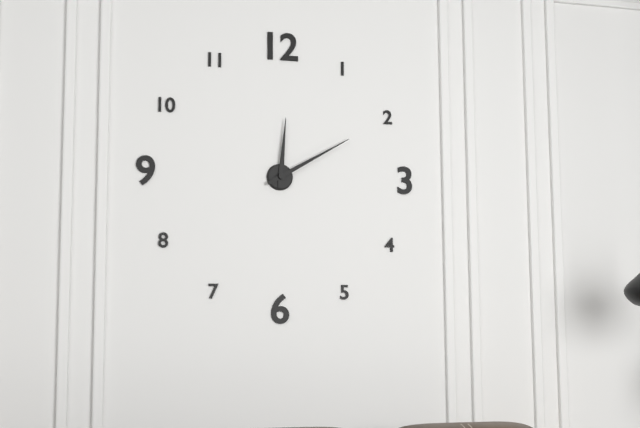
12:10
